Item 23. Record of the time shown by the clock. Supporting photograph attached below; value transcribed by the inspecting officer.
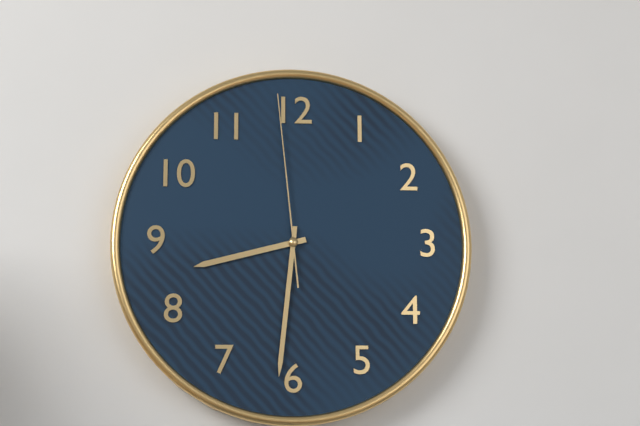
8:31:59
